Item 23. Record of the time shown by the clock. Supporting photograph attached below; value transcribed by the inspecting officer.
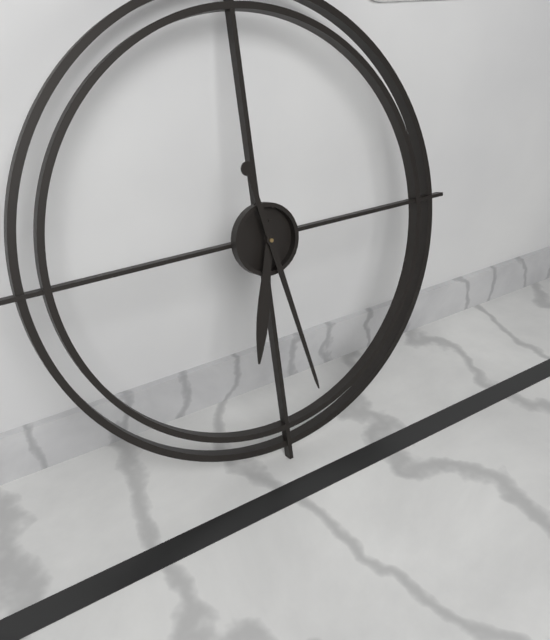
6:28
